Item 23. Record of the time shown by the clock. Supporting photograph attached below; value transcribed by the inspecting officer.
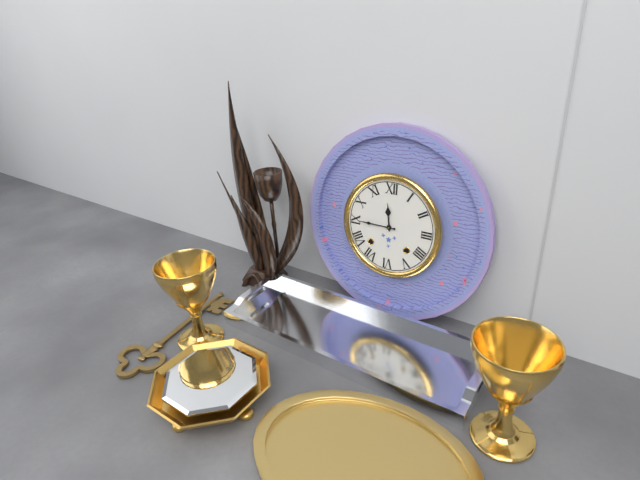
11:45
